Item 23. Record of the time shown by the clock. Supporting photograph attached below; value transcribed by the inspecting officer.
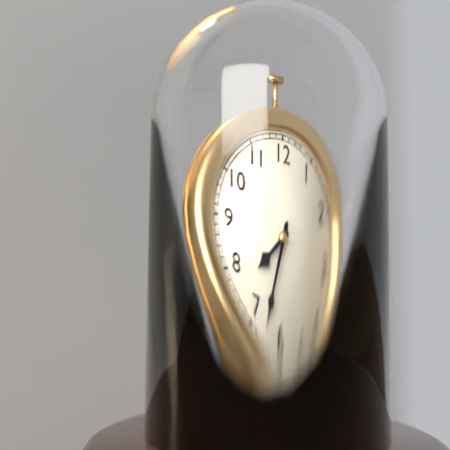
7:33
